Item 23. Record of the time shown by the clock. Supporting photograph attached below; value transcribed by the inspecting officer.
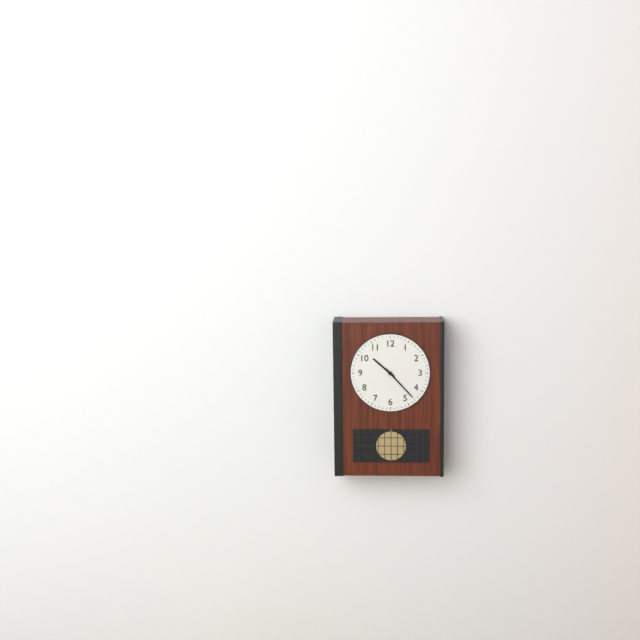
10:23
